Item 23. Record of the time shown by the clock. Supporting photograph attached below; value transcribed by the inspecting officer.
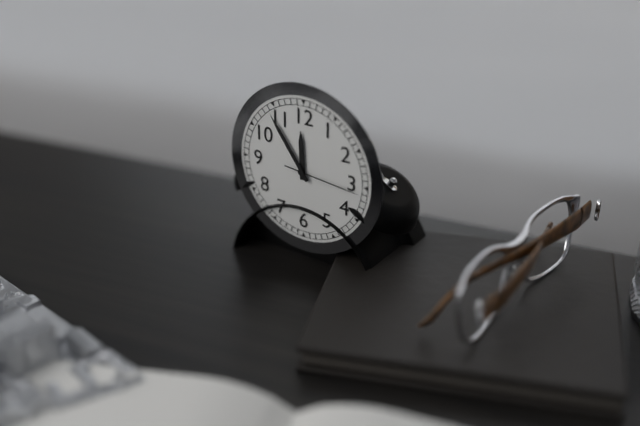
11:54:16
